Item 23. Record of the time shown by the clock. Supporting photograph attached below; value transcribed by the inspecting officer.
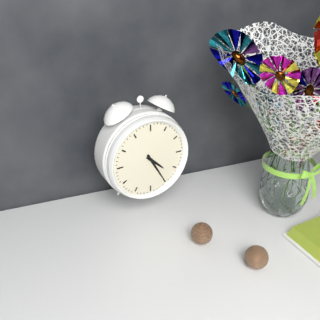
4:25
